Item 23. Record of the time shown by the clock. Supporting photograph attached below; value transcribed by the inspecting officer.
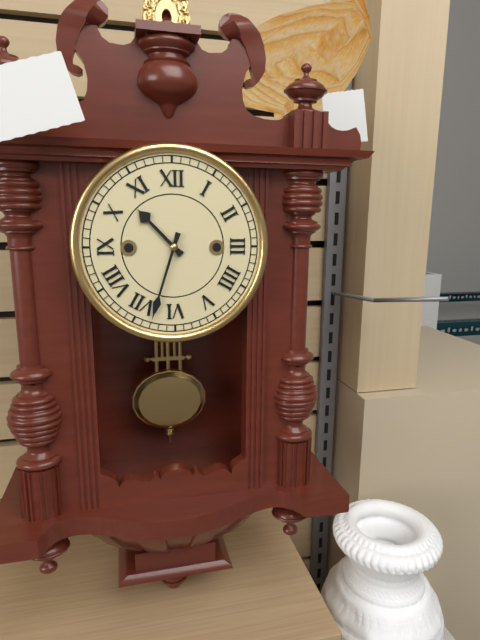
10:33
